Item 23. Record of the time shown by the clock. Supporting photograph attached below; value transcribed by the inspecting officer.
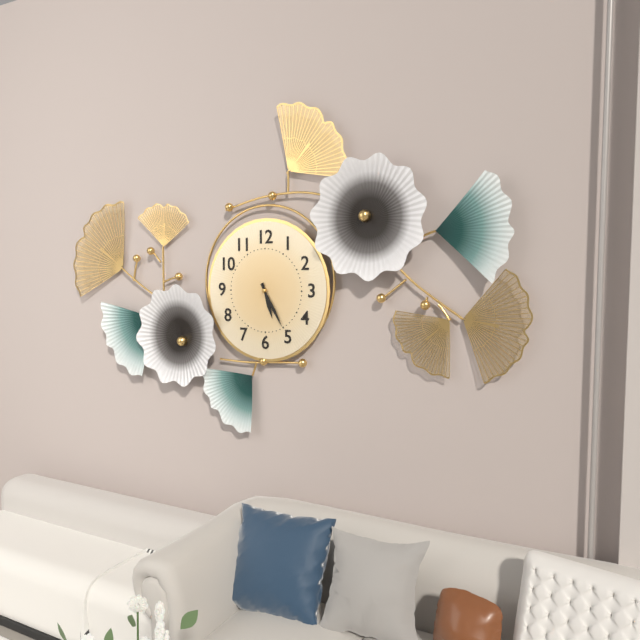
5:25
